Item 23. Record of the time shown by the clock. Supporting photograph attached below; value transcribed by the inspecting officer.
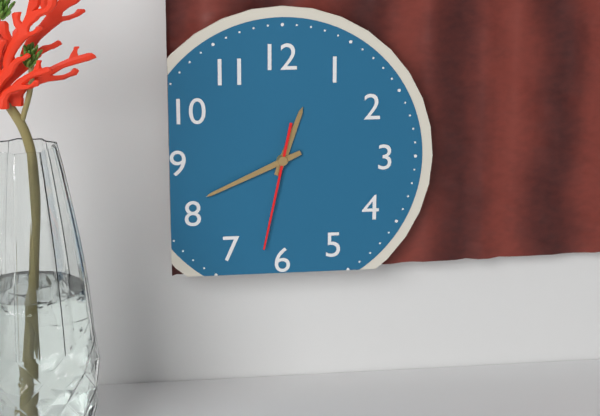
12:41:32
